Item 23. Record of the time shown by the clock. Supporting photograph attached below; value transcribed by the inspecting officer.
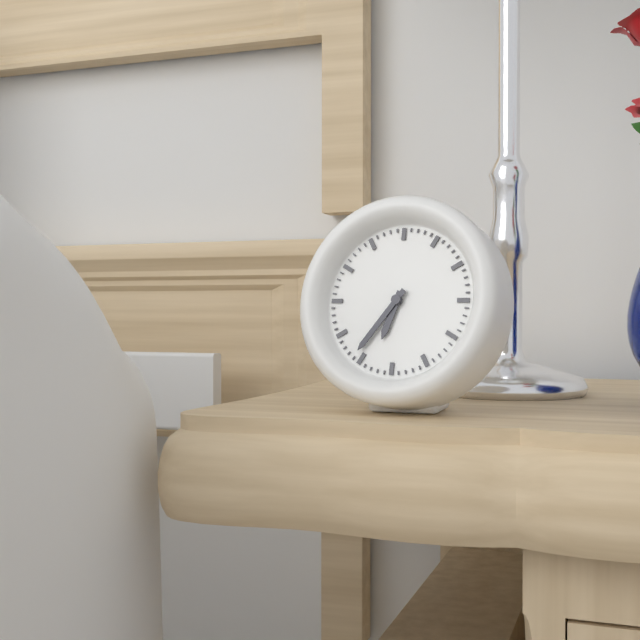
6:36
